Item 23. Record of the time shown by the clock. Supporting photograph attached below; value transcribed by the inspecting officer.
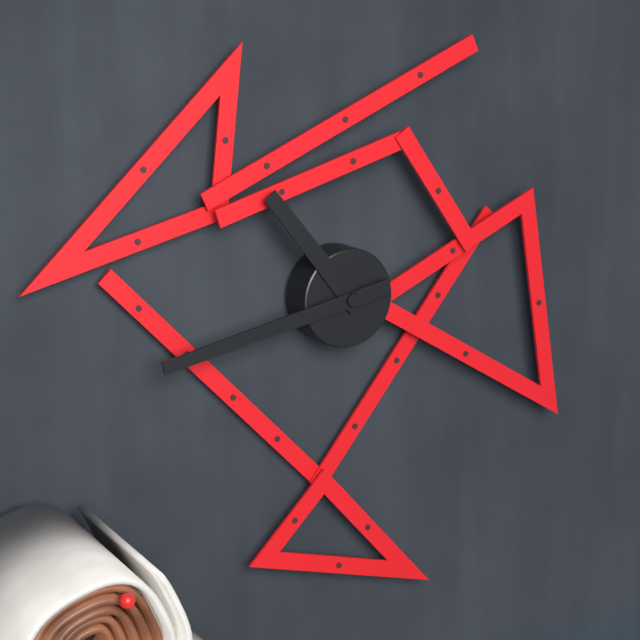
10:43
